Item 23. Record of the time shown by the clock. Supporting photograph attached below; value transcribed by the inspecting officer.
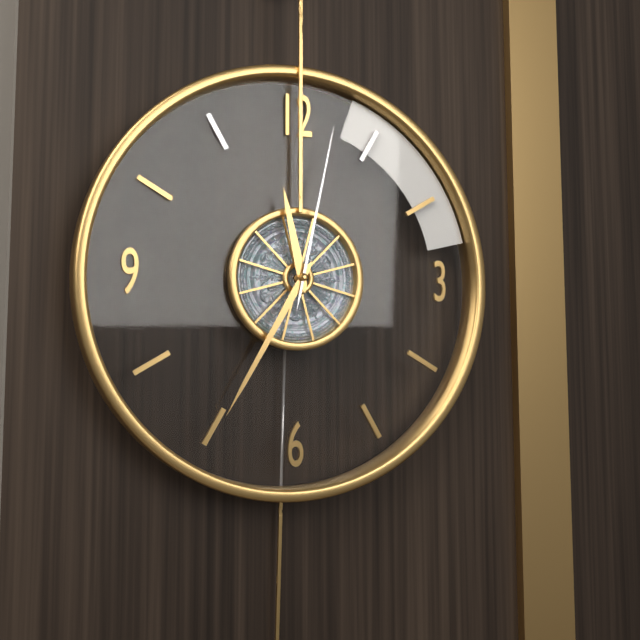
11:35:02
